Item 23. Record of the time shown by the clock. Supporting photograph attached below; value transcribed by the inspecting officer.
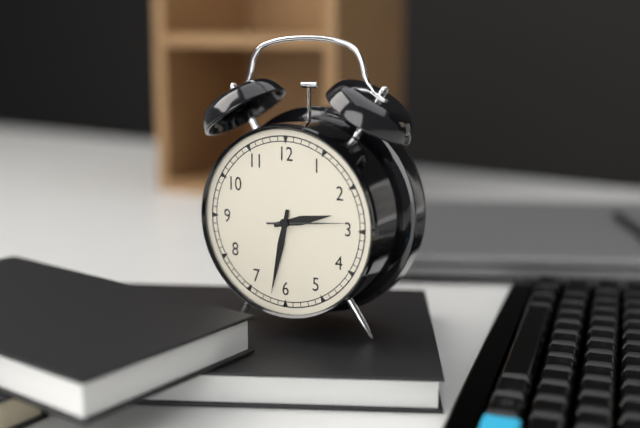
2:32:14
